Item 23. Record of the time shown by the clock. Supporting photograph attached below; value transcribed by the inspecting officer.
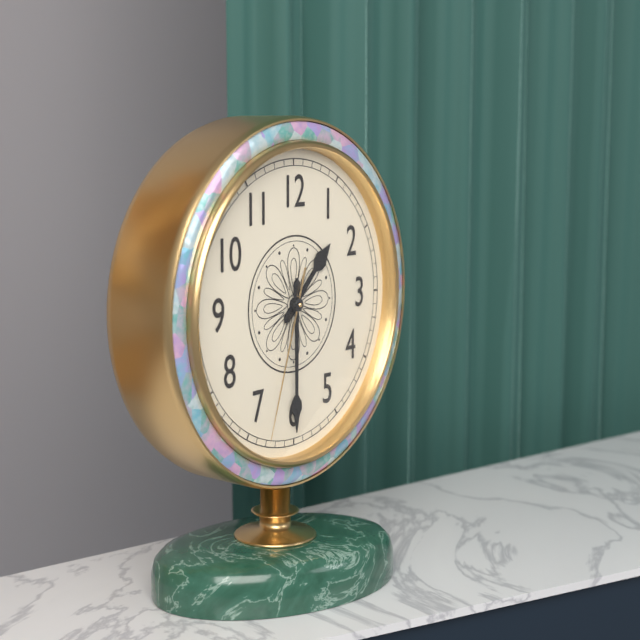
1:30:33
